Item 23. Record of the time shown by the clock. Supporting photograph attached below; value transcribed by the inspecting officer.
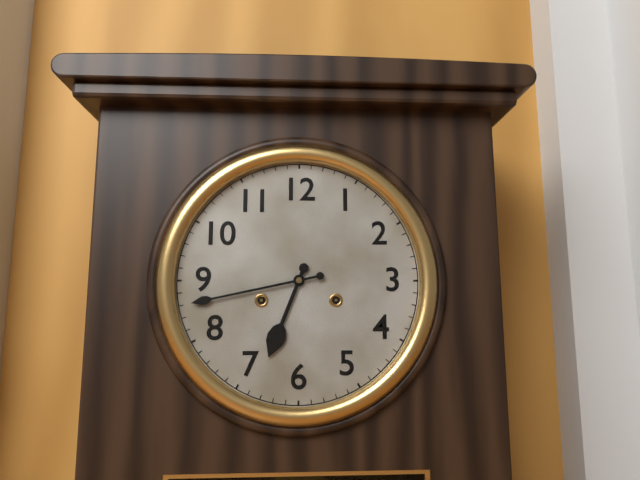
6:43
